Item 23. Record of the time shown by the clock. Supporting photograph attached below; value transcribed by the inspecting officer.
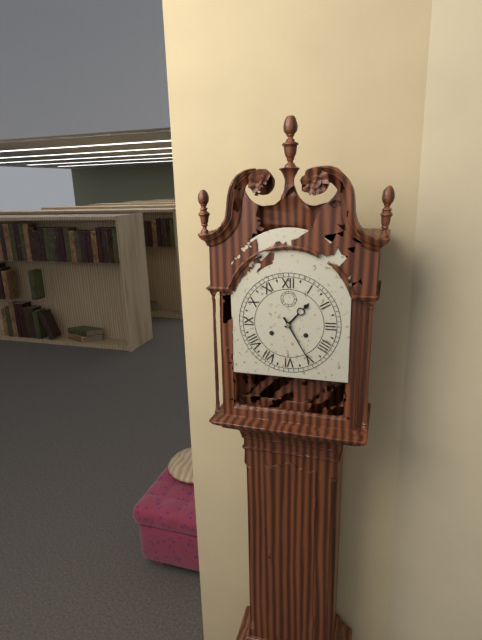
1:25
